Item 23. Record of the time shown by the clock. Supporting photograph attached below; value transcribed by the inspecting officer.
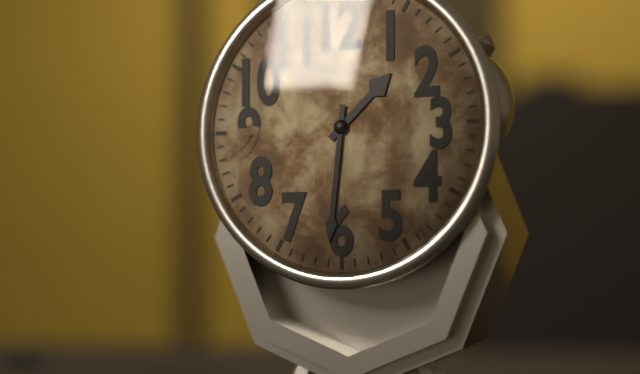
1:31
